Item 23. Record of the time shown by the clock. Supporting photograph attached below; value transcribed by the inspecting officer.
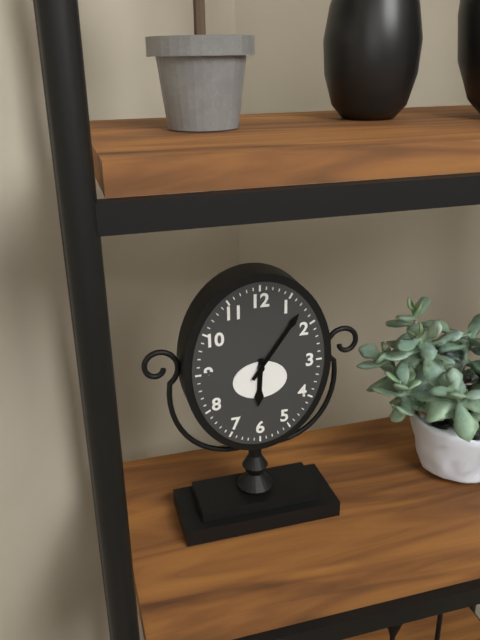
6:06
